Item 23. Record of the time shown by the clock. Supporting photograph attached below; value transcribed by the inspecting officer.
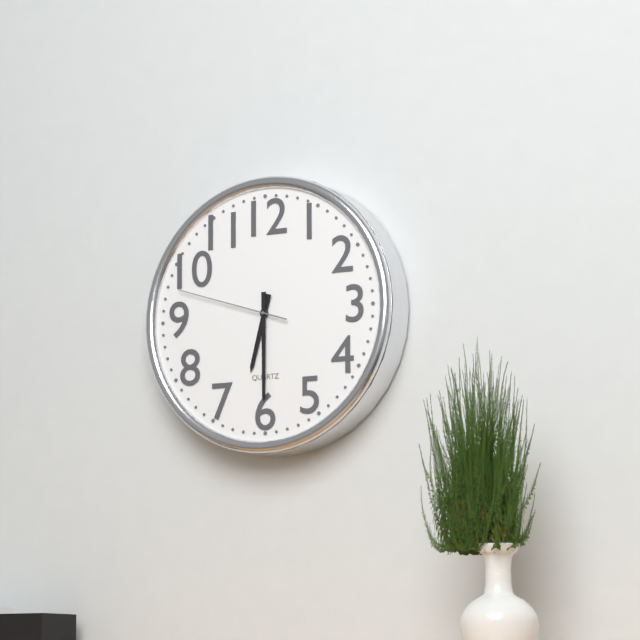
6:30:48
